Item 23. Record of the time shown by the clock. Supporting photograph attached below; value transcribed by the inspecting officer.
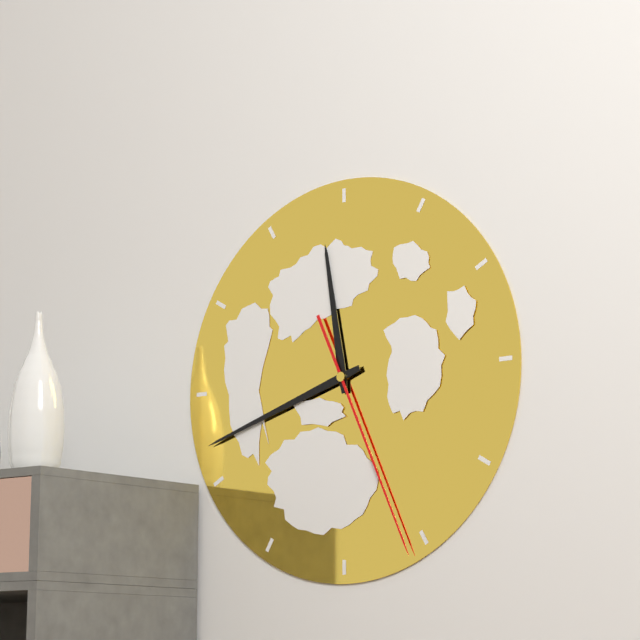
11:42:26
